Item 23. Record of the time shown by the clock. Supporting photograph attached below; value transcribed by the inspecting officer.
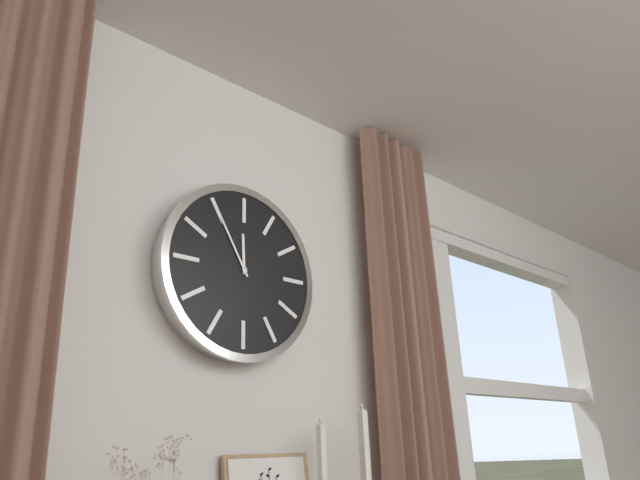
11:55
